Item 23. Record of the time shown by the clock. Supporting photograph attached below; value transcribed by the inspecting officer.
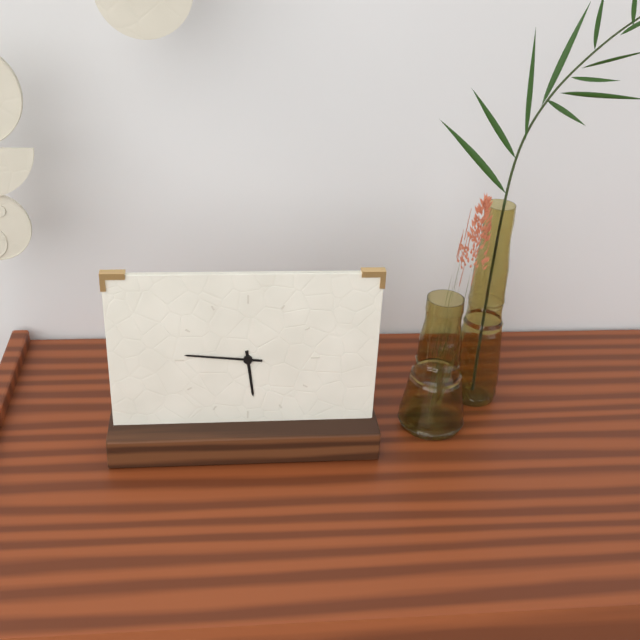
5:46
